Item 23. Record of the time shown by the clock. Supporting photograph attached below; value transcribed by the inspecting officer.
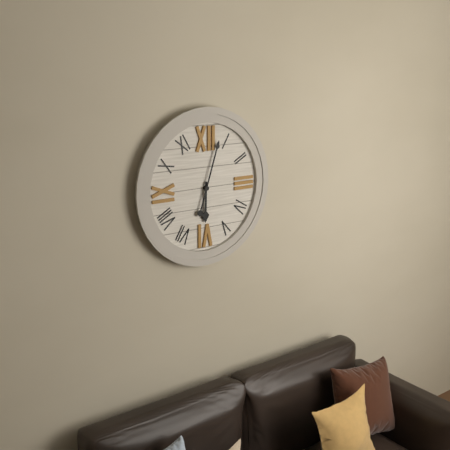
6:03
